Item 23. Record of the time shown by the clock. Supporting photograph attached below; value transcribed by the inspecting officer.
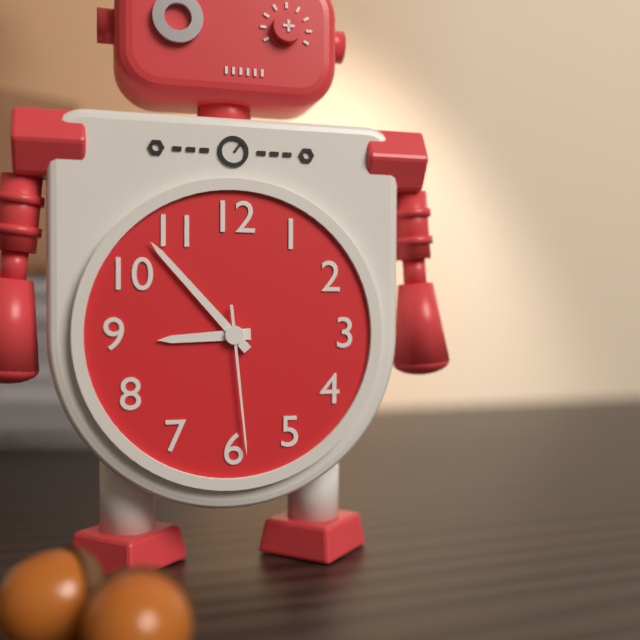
8:53:29
